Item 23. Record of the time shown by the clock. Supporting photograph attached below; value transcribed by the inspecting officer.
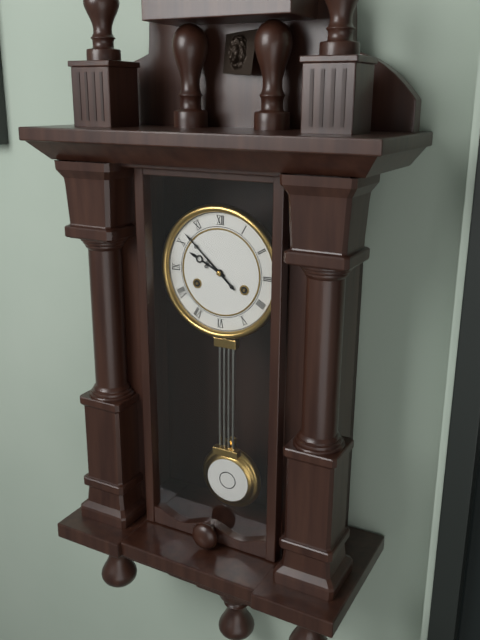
9:52
